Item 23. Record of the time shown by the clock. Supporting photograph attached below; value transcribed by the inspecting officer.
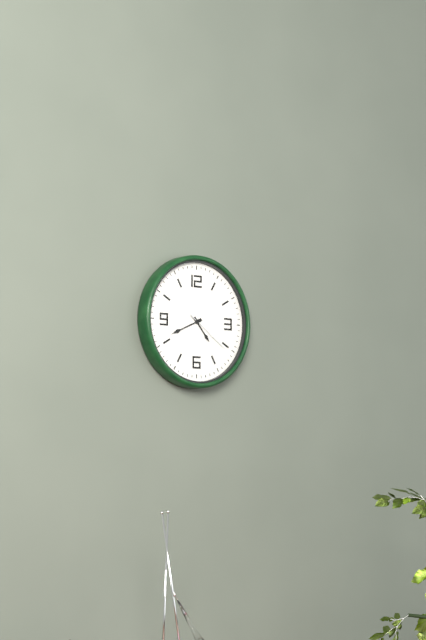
4:41:21
